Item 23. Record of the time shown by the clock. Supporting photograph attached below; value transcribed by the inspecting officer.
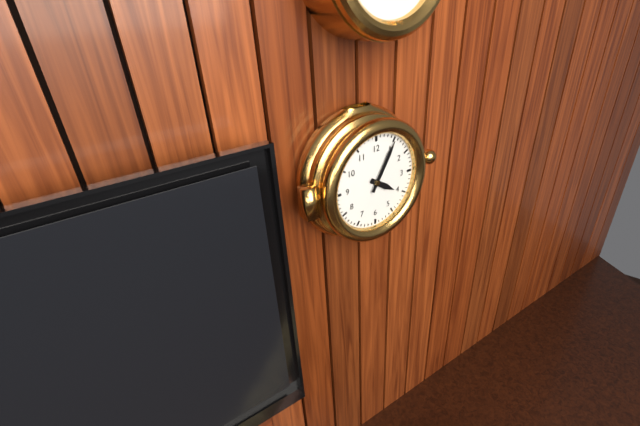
4:05
